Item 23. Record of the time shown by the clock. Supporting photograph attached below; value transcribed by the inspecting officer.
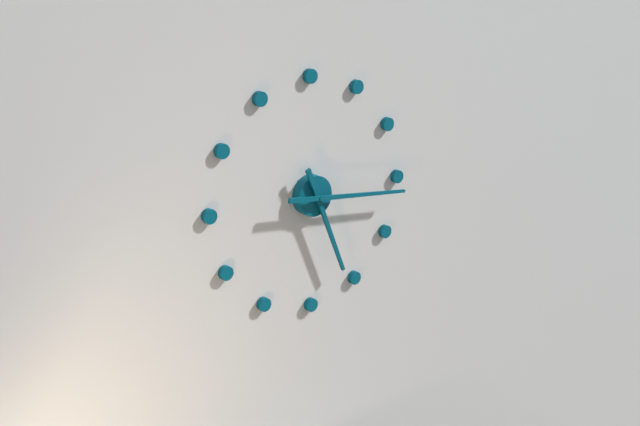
5:16
